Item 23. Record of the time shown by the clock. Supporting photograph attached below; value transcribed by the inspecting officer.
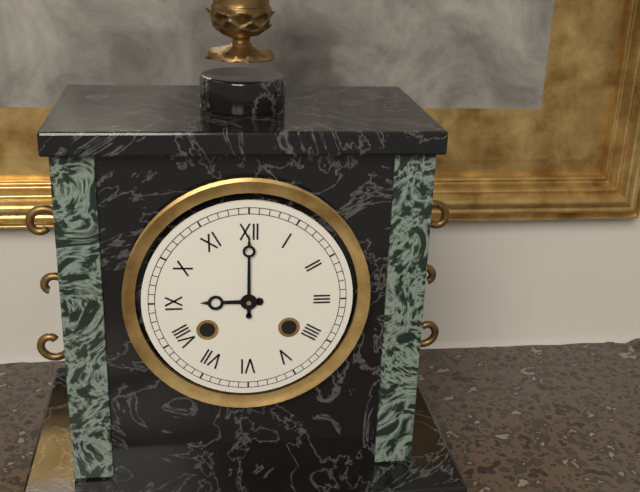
9:00
